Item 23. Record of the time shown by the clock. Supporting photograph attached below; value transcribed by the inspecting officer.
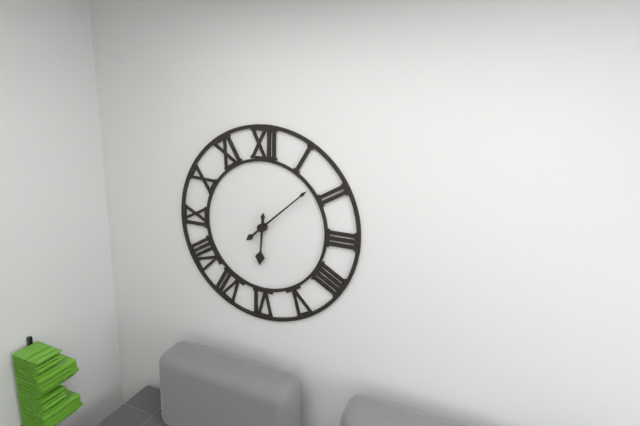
6:08
